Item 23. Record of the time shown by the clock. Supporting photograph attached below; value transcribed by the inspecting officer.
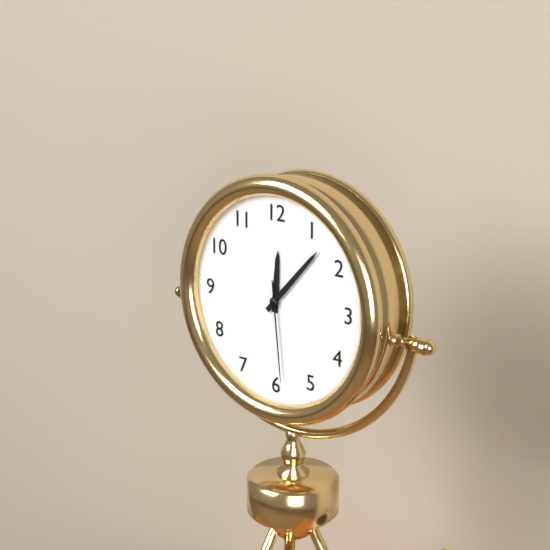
12:07:29
